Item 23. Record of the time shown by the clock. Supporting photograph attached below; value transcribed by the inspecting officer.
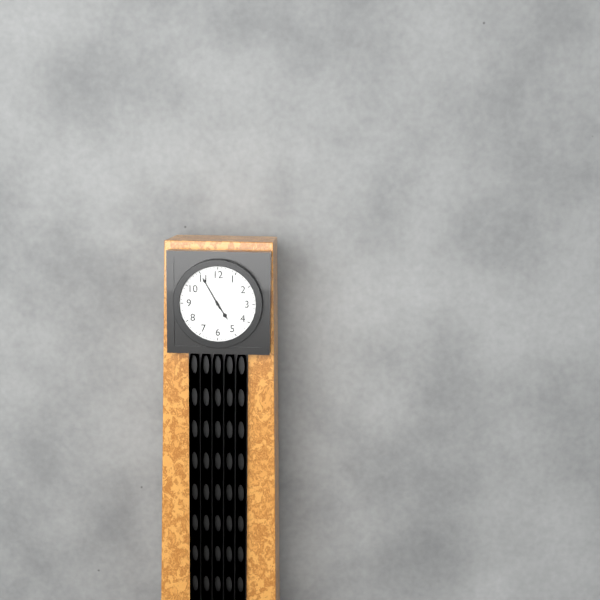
4:55
